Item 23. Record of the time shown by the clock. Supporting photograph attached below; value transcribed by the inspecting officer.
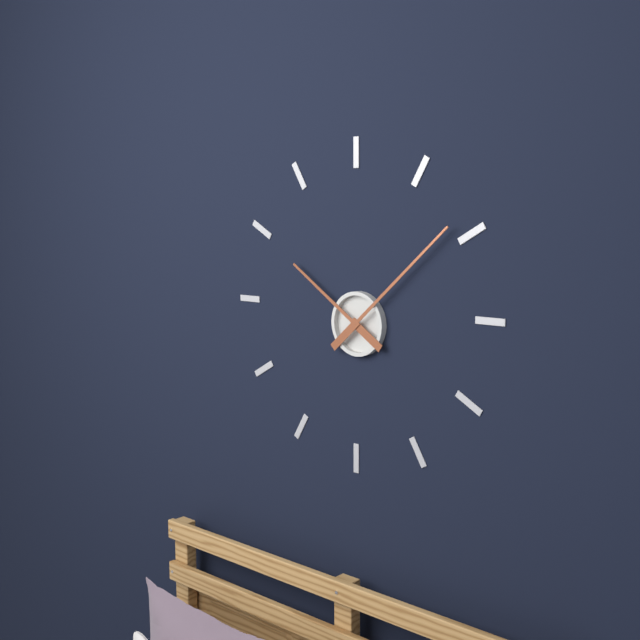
10:08
